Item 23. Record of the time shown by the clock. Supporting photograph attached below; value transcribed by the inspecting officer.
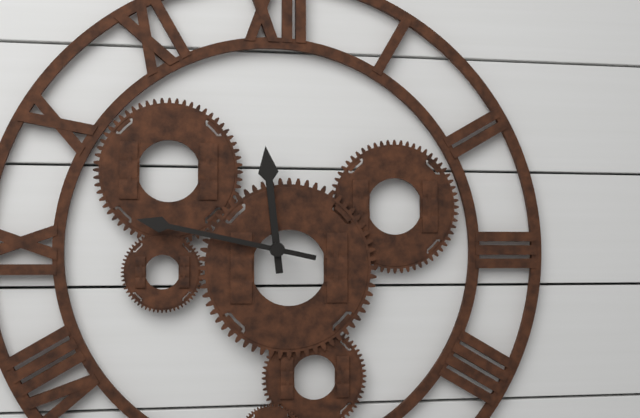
11:47
